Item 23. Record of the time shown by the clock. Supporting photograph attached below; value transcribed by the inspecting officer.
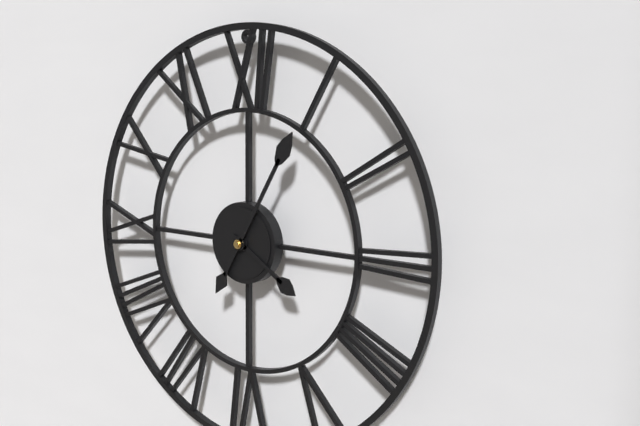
4:05
